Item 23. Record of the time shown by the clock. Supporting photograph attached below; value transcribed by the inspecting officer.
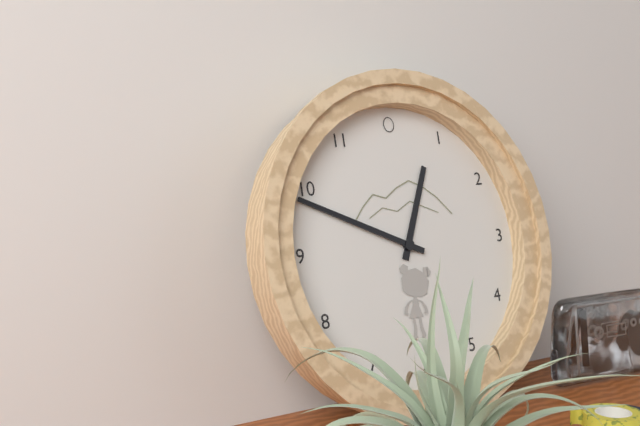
12:49
